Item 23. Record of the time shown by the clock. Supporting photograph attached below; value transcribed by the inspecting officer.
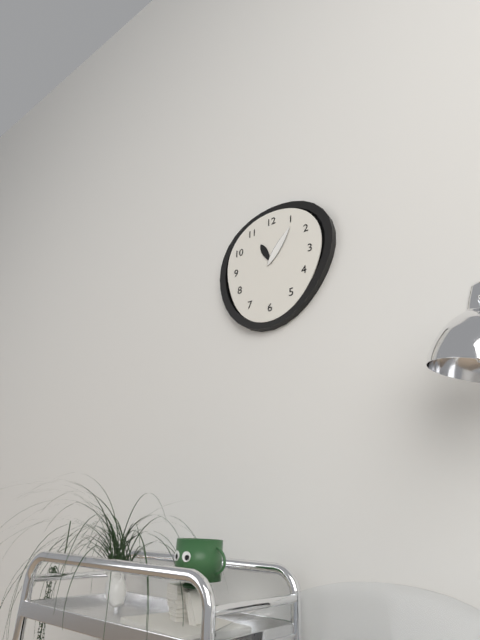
11:06
